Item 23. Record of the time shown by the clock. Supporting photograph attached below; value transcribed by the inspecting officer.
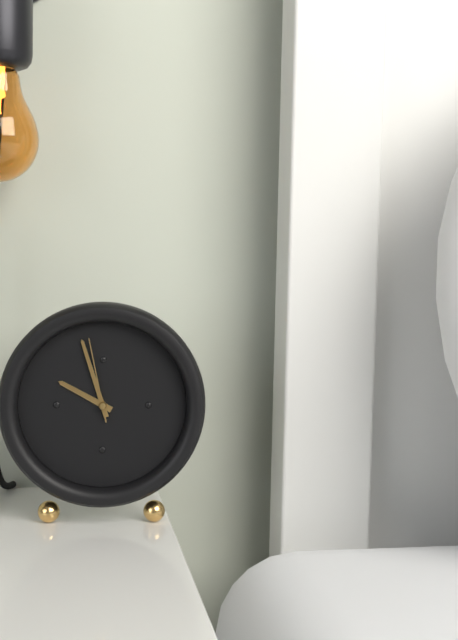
9:57:58
